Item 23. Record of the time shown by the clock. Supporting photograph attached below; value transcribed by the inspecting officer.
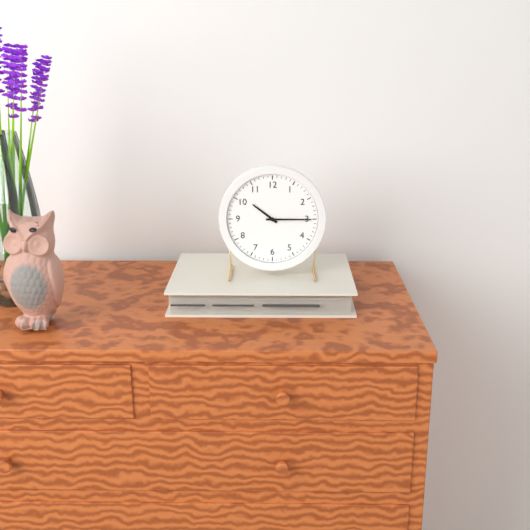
10:15
